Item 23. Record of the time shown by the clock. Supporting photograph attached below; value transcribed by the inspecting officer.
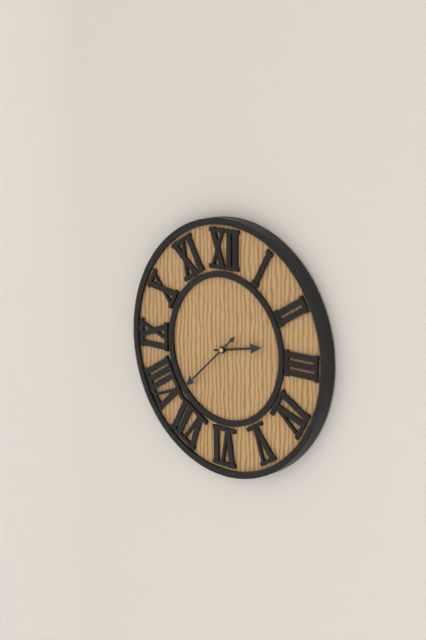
2:38
